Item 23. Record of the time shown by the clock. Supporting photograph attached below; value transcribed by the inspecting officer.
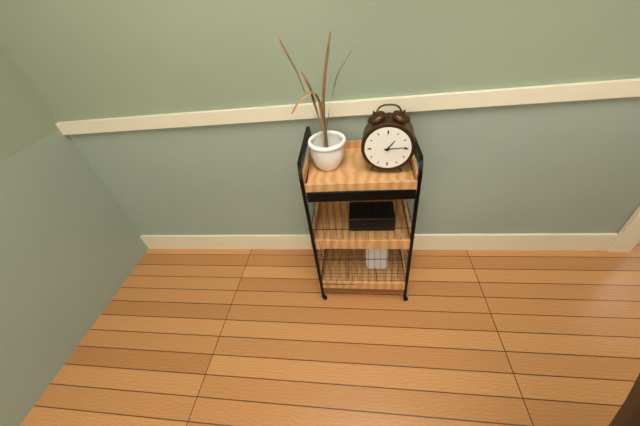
1:14
